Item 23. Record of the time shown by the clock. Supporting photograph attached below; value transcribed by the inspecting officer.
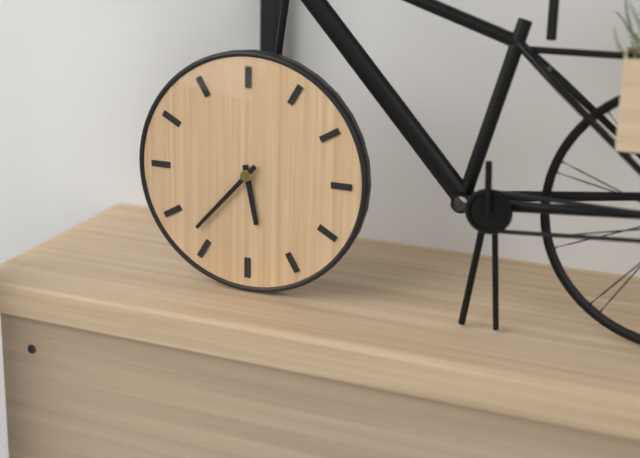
5:37
